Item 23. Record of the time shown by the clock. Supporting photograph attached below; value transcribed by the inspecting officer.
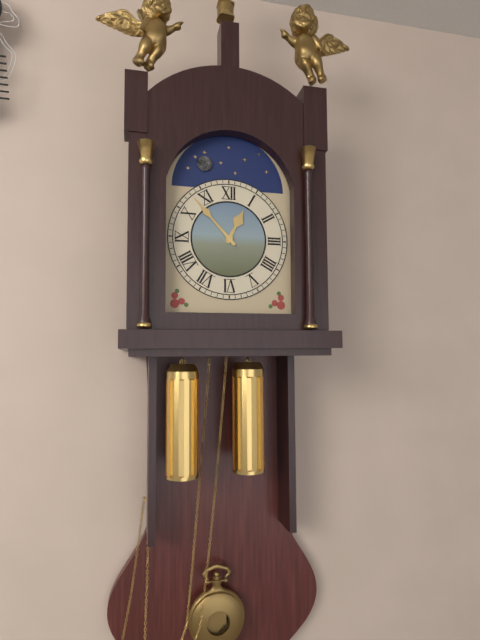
12:53
